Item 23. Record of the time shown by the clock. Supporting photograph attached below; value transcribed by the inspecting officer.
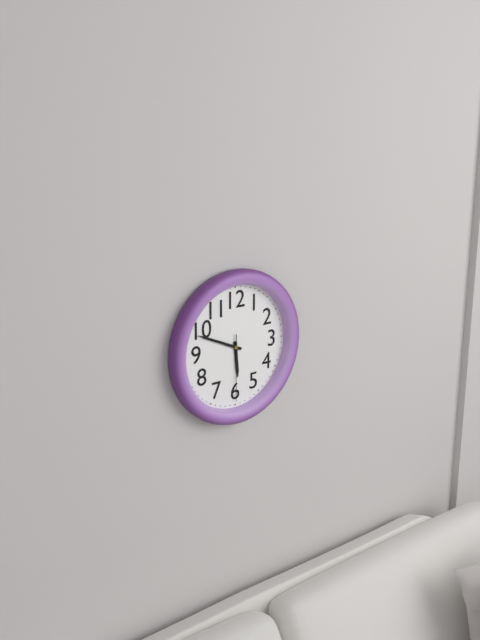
5:49:30
